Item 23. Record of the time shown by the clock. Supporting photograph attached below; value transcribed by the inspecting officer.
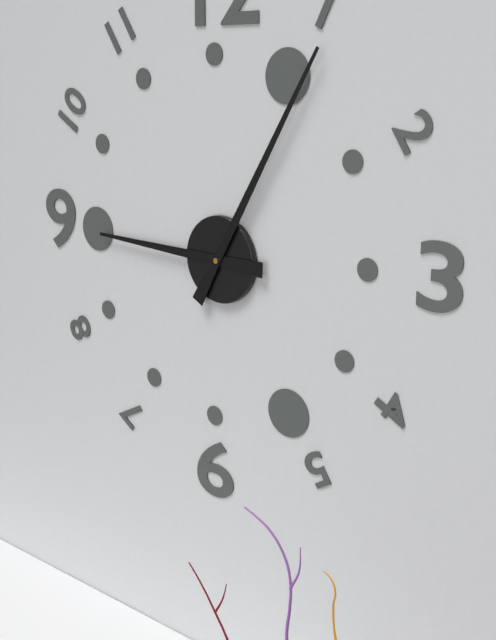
9:05
